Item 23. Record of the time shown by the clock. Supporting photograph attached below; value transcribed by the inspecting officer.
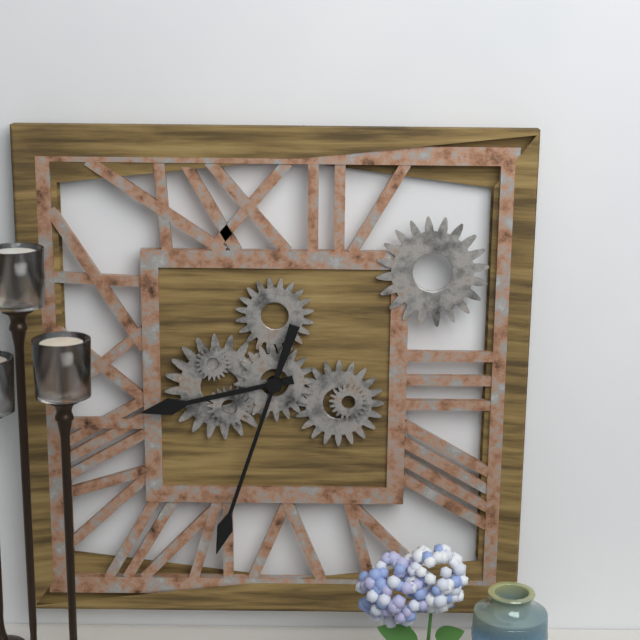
8:33
